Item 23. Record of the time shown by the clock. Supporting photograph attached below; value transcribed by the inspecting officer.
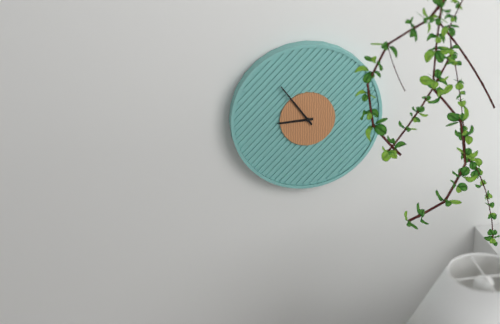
8:54
